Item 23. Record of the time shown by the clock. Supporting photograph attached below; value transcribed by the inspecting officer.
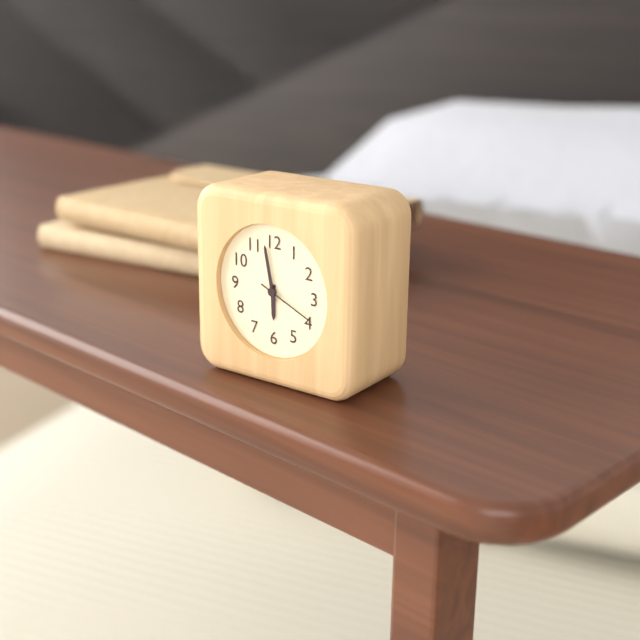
5:58:19
